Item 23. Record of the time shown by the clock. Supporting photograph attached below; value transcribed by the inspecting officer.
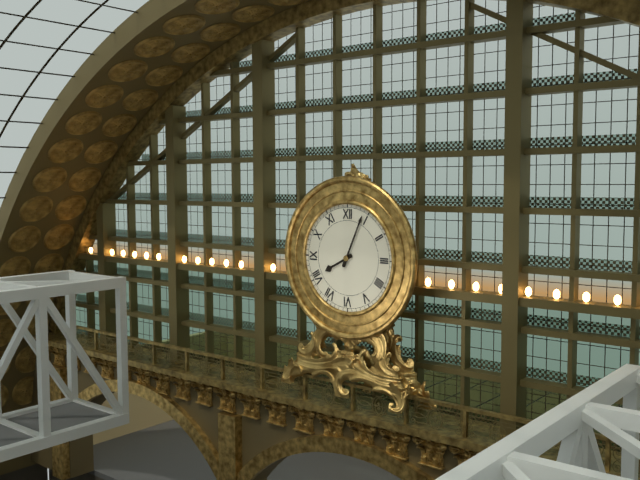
8:04
